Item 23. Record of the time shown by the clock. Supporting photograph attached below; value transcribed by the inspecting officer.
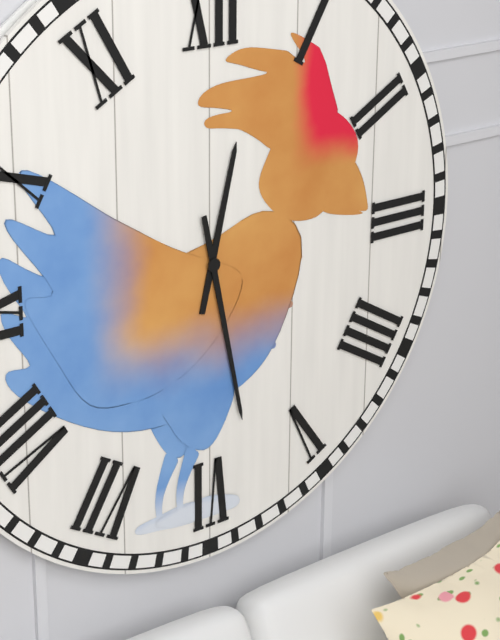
12:28
